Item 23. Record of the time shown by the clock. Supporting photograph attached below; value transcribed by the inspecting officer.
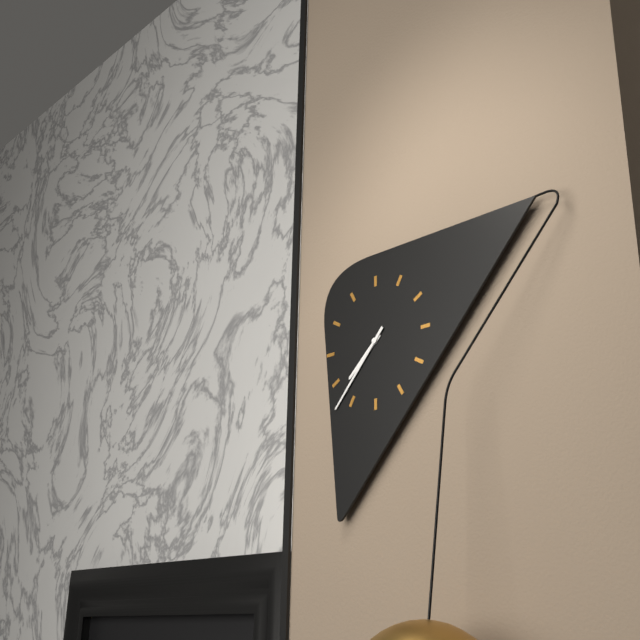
7:37
